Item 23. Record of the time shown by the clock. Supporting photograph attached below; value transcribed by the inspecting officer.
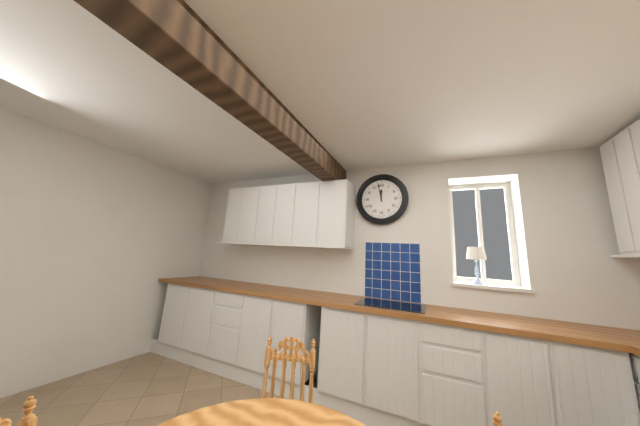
11:58
